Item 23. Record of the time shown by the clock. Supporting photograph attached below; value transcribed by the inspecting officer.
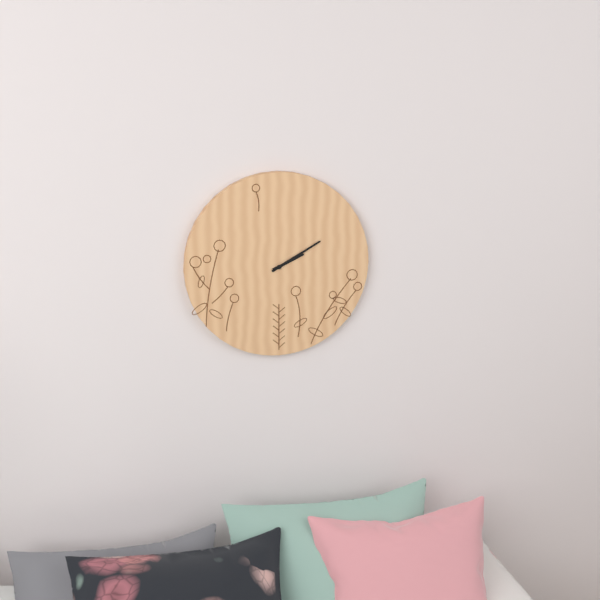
2:10
